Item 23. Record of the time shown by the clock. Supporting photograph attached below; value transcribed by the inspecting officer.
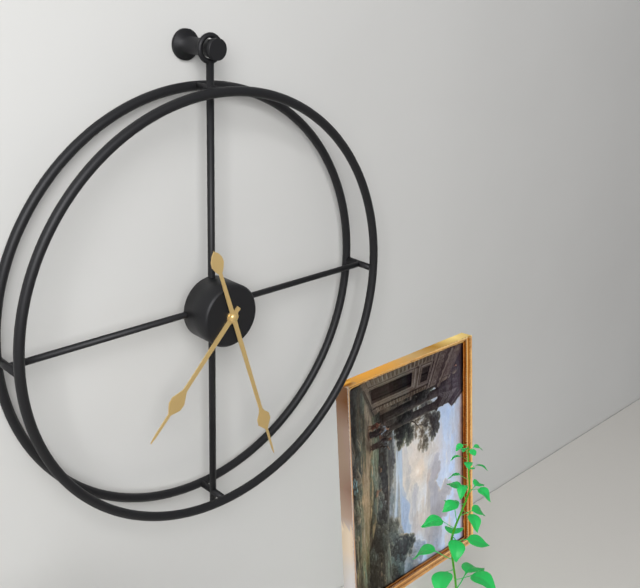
7:27
